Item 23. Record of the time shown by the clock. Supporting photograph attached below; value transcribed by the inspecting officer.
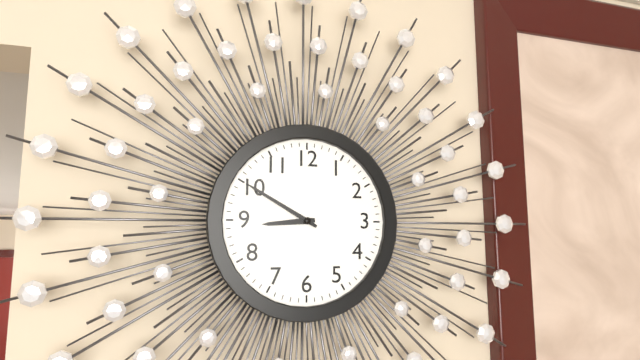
8:50
